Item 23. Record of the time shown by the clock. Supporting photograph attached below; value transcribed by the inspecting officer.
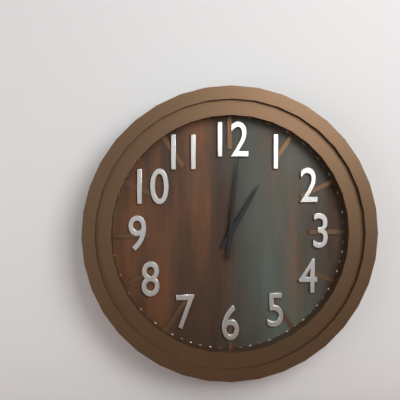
1:01
